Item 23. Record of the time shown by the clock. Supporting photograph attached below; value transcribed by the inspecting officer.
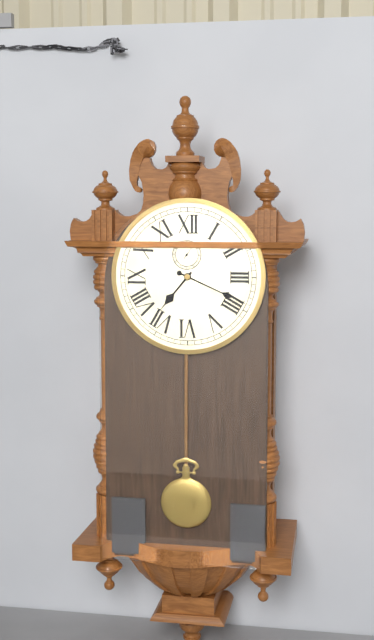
7:19
